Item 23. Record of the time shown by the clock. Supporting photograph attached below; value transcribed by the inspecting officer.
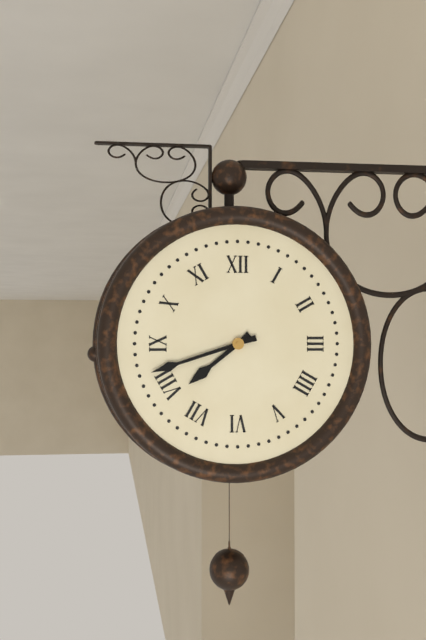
7:42
